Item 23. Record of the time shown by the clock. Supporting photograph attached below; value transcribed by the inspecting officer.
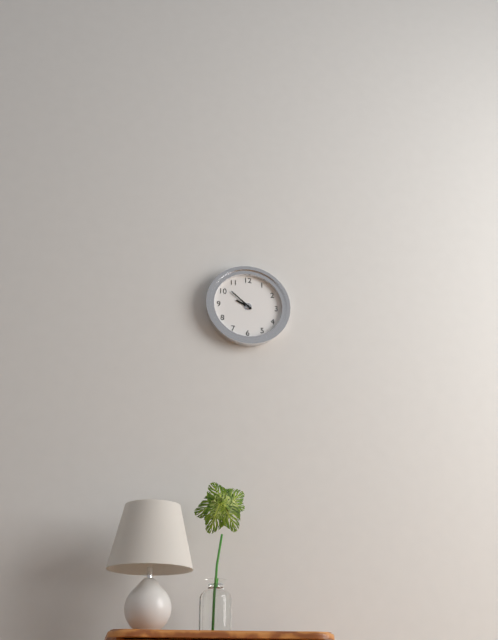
9:52
